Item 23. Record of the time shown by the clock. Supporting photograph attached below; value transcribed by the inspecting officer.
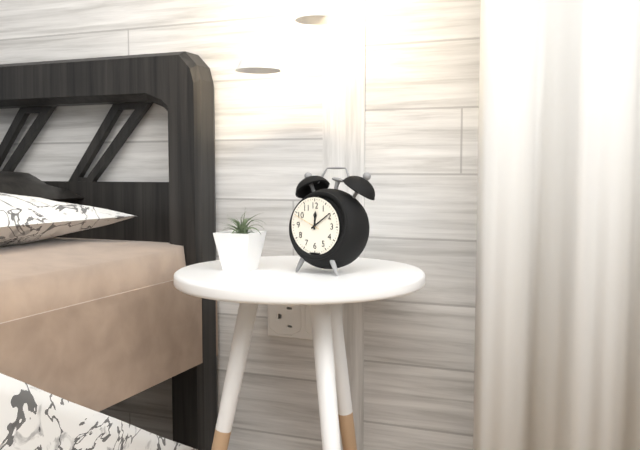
12:09
